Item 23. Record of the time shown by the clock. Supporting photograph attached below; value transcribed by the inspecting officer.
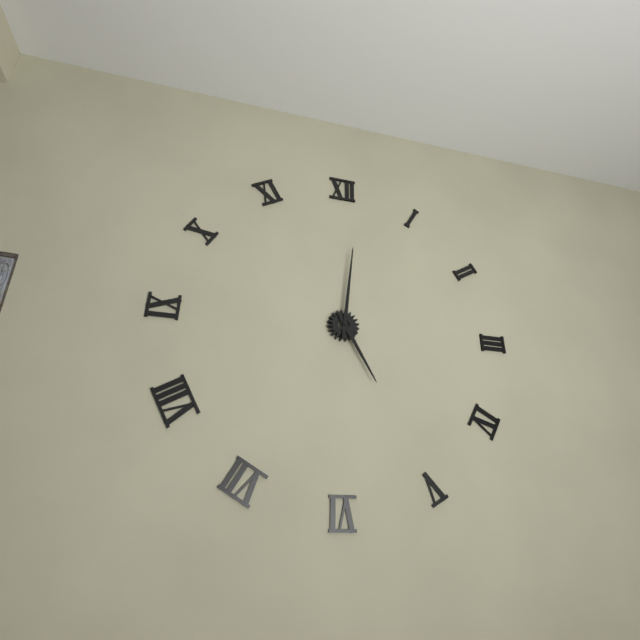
5:01
